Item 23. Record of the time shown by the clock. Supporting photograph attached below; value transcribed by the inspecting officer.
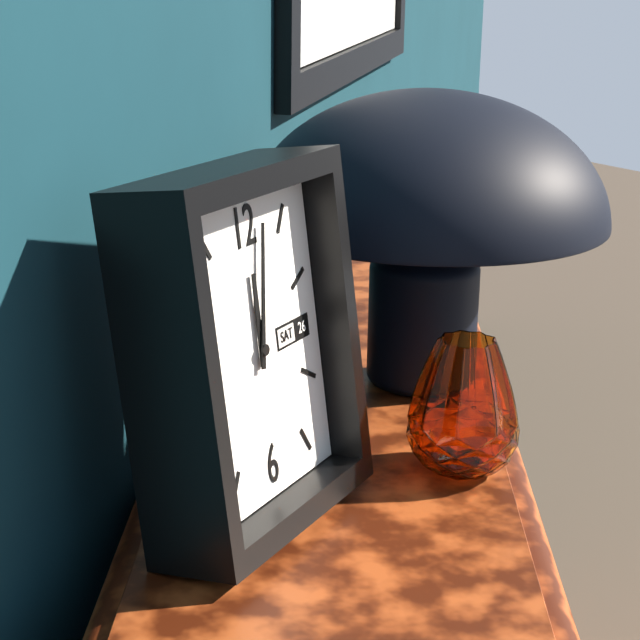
12:02
